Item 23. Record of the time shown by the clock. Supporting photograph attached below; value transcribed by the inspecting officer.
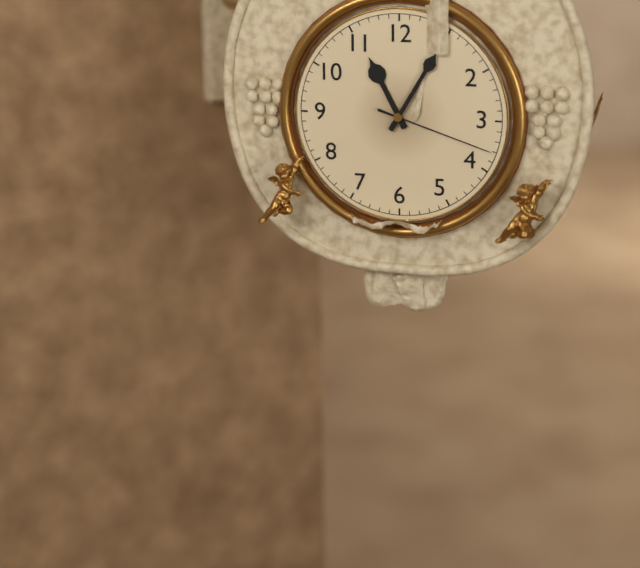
11:05:18
